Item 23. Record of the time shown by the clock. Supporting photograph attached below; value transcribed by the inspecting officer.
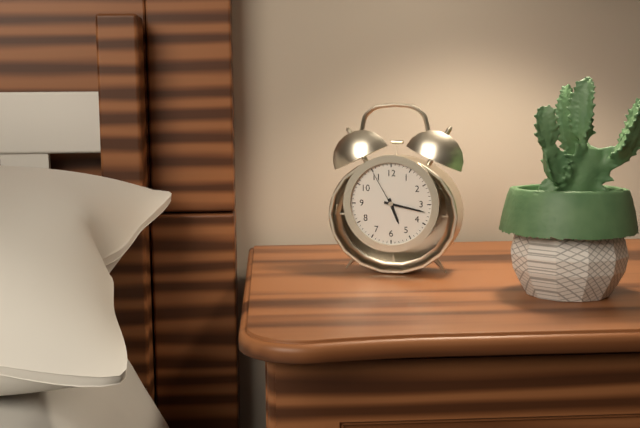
5:17
